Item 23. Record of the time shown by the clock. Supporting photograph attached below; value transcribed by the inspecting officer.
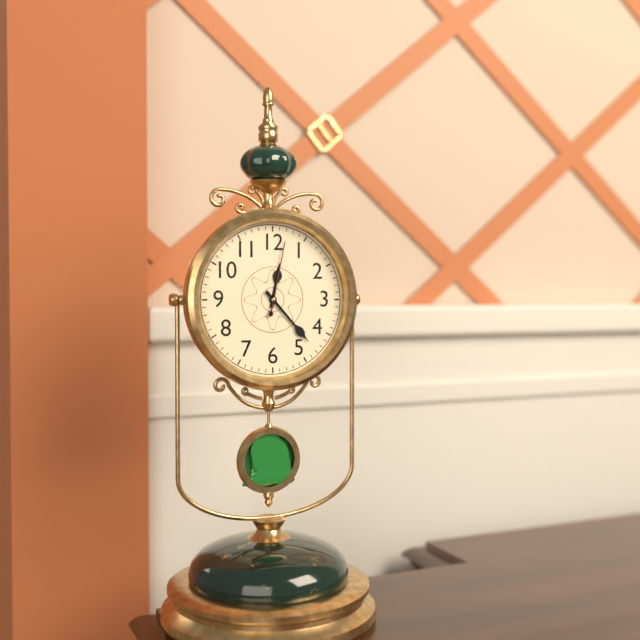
12:23:02
